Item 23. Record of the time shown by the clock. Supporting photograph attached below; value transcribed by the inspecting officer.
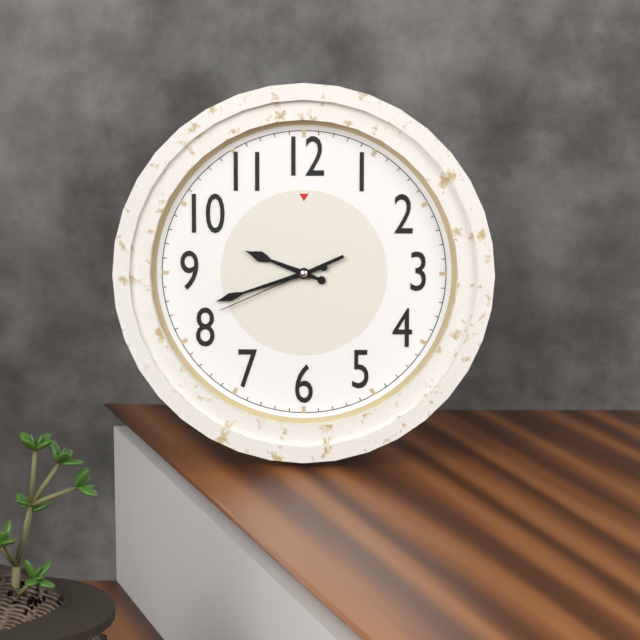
9:42:41
